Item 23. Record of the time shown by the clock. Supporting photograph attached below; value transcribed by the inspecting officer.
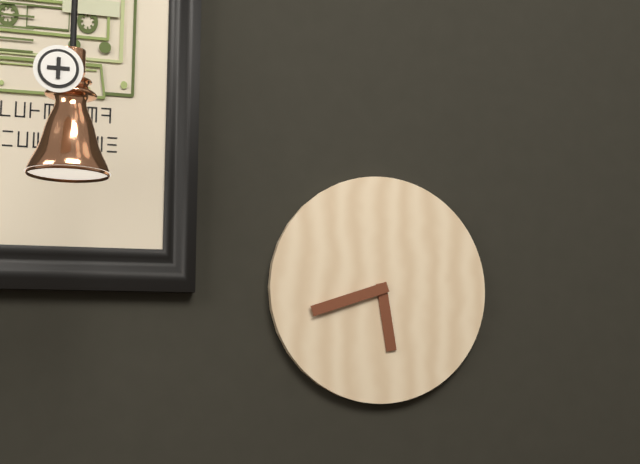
5:42
